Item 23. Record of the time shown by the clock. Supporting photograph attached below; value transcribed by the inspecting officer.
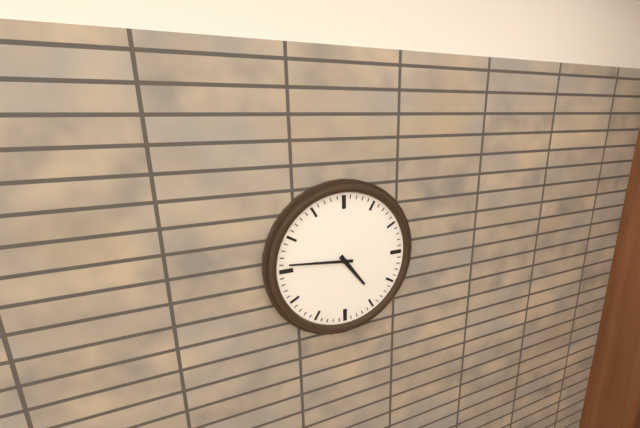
4:46
